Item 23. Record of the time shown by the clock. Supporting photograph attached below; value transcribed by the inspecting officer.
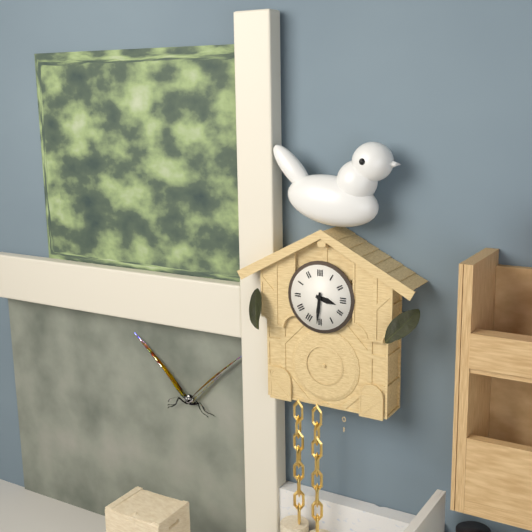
3:31
